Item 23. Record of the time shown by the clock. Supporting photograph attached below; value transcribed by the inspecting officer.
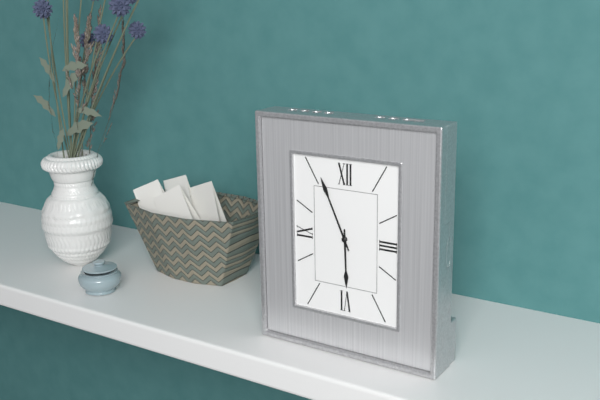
5:56
